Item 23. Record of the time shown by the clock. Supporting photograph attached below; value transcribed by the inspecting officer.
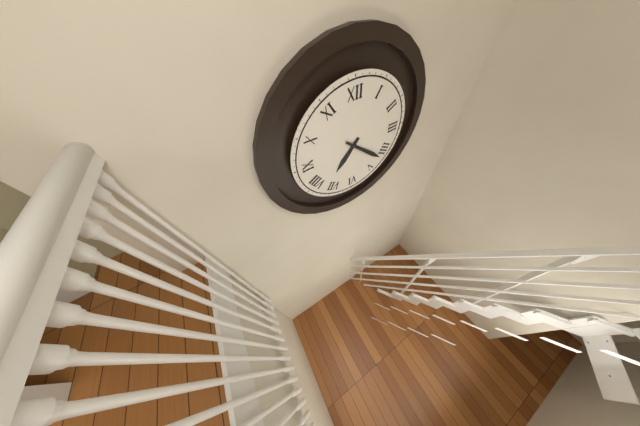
7:22
